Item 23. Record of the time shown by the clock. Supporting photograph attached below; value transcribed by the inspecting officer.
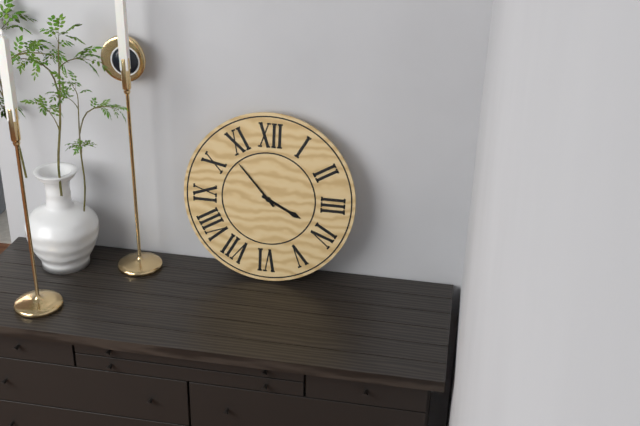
3:53
